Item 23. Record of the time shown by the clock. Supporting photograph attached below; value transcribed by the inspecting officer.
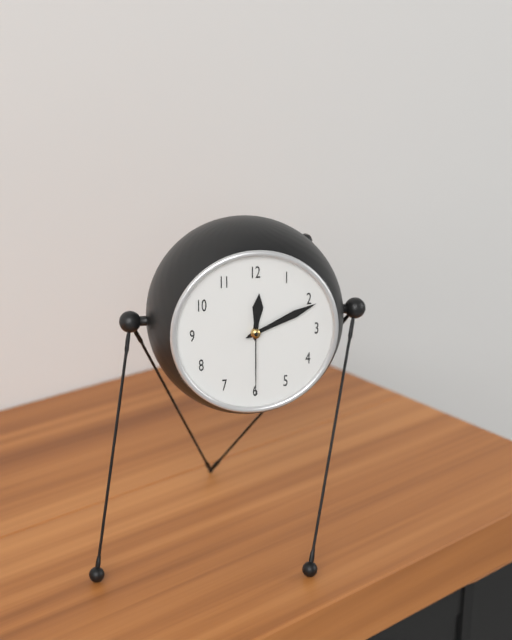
12:11:30
